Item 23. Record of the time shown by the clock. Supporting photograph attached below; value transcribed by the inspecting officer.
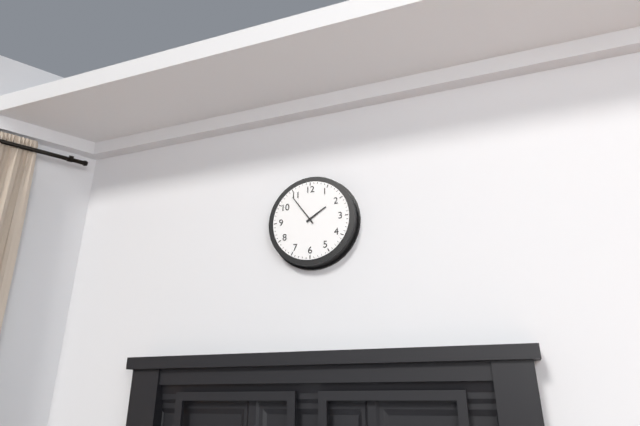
1:54
